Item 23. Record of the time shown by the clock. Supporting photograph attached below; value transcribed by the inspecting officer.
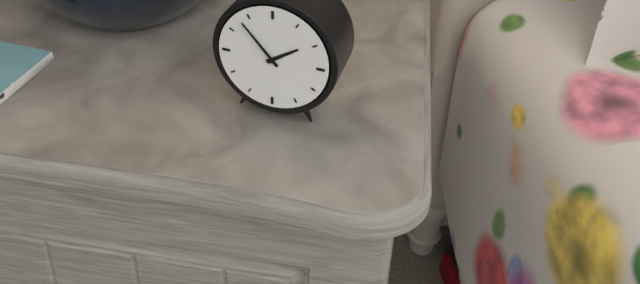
1:53
